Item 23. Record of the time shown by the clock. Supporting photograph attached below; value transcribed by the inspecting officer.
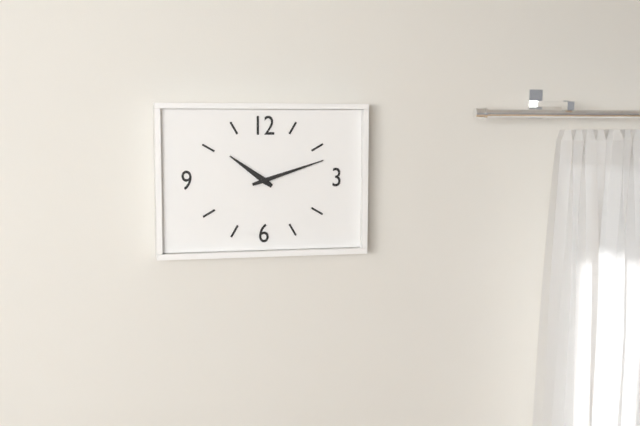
10:12
